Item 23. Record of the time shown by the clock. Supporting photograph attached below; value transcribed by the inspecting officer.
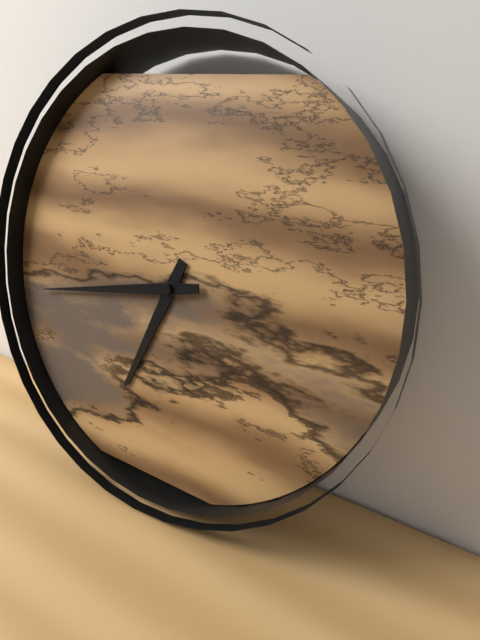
6:43
